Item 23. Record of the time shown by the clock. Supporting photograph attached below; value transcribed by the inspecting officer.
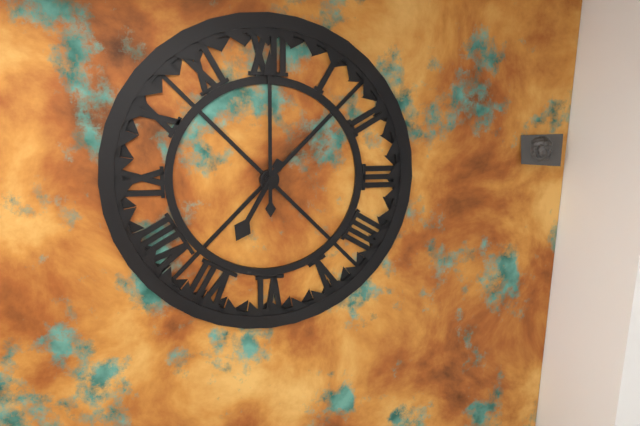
7:00
